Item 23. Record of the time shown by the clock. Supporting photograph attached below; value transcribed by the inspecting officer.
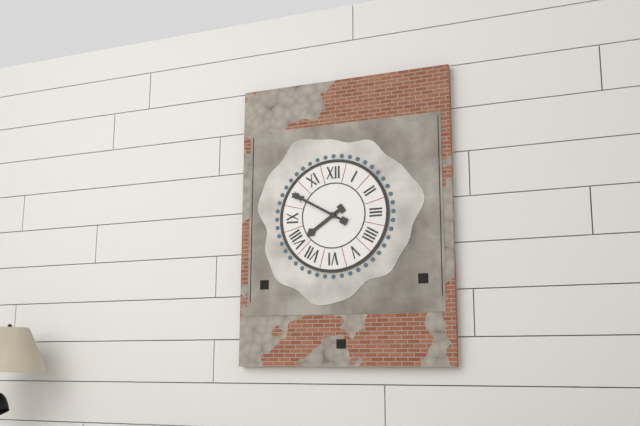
7:50
